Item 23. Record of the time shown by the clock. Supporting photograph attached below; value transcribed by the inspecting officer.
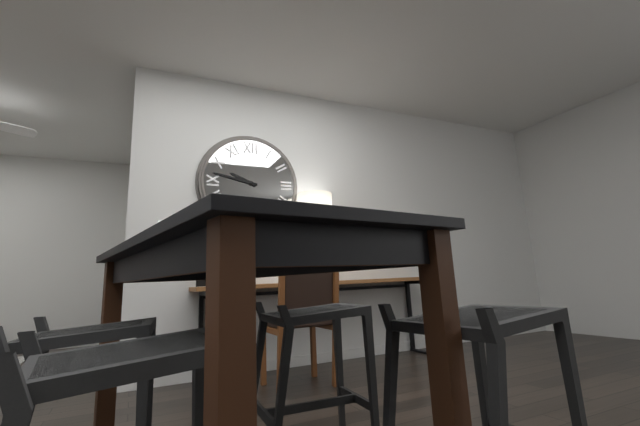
9:47
